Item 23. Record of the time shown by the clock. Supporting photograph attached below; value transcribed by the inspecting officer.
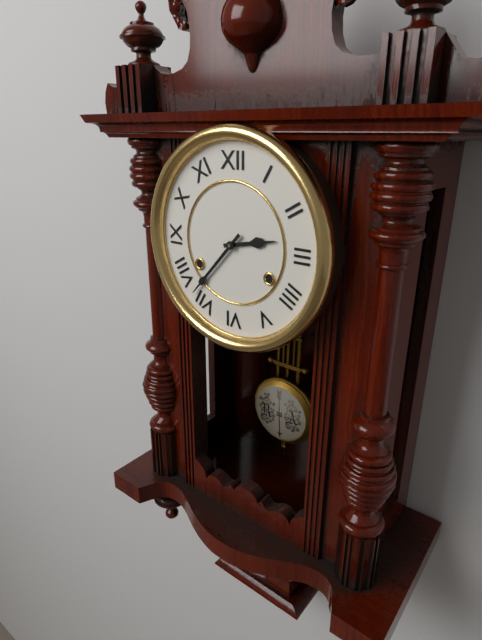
2:37
